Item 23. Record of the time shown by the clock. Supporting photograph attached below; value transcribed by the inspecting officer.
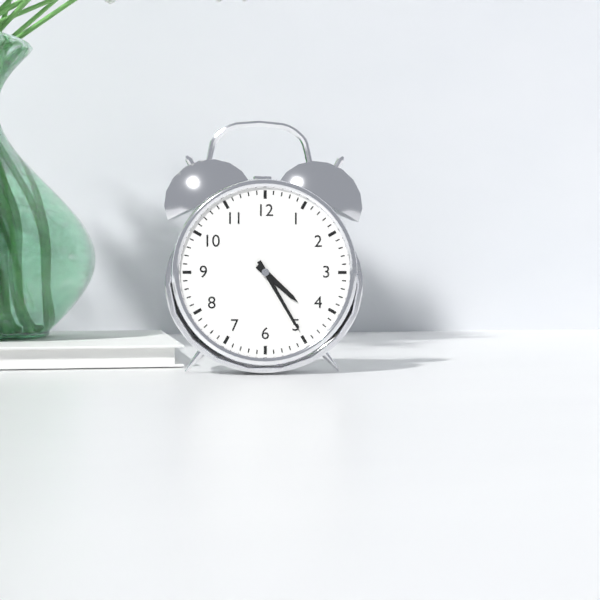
4:25
